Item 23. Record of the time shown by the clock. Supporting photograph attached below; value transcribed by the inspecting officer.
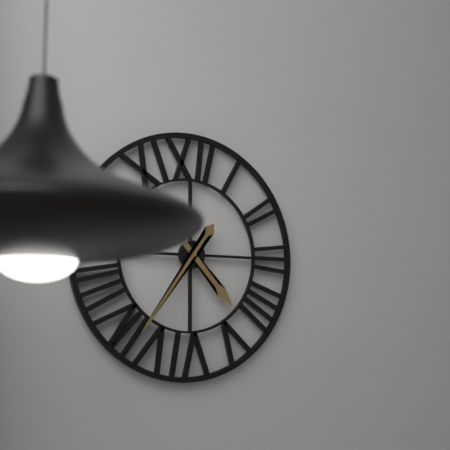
4:36
